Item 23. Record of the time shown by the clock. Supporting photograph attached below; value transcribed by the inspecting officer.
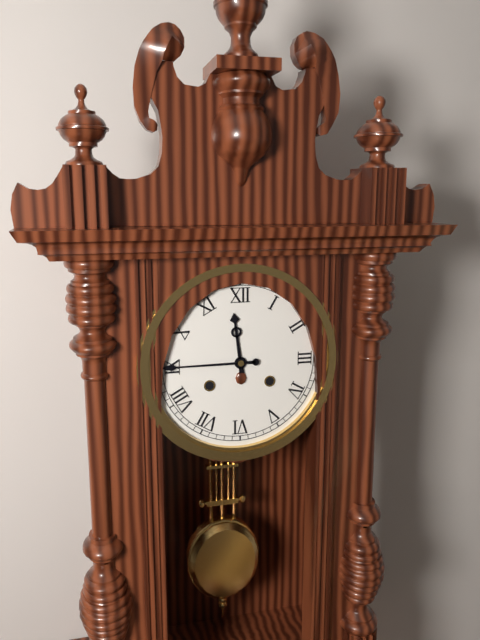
11:45
